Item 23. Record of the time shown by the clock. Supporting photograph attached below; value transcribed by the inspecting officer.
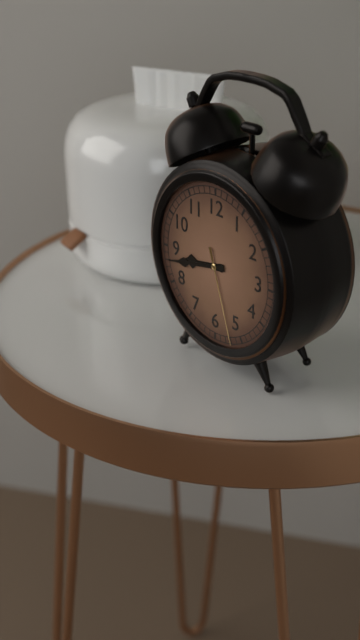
8:43:27
